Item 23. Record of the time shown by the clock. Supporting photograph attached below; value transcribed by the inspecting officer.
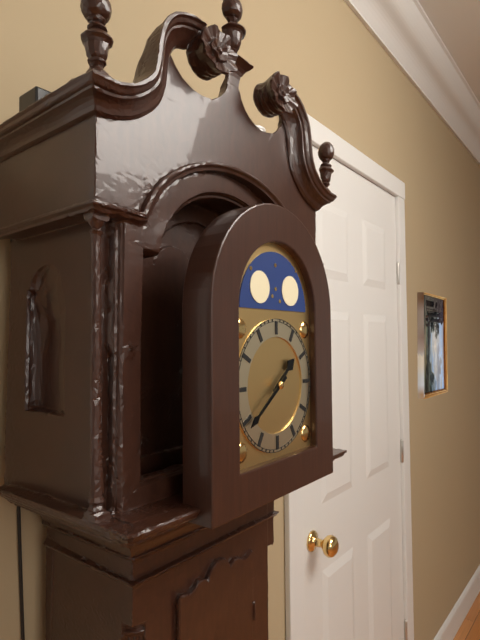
1:39
